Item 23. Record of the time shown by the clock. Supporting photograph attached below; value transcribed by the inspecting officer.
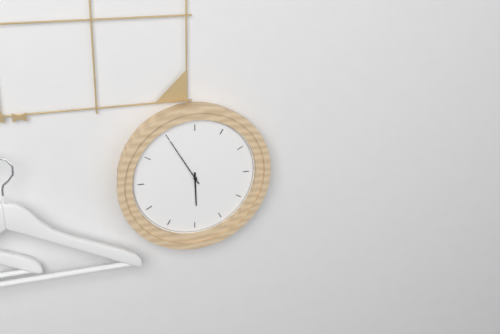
5:55
